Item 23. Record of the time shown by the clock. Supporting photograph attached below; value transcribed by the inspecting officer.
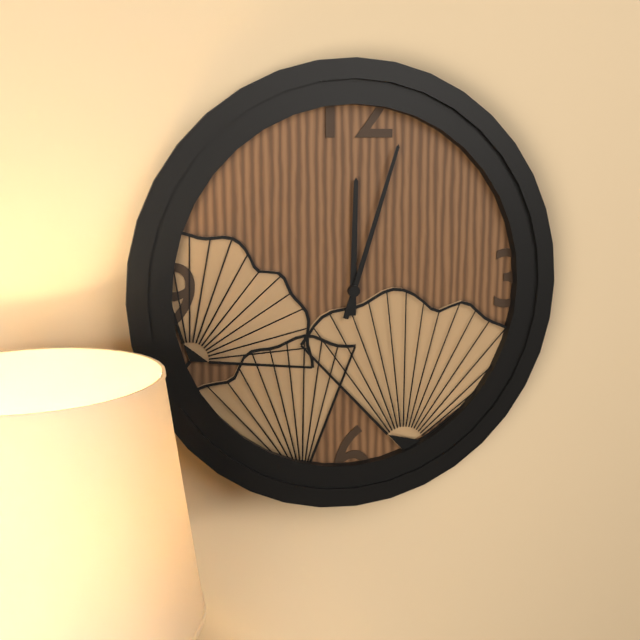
12:03
